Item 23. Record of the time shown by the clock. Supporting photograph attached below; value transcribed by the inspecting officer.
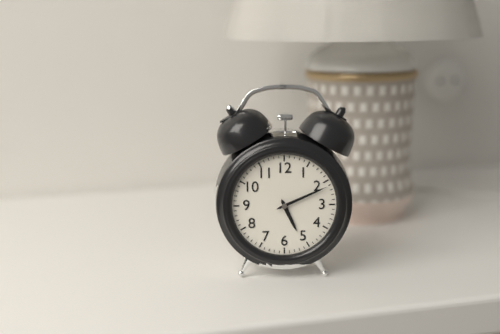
5:11
